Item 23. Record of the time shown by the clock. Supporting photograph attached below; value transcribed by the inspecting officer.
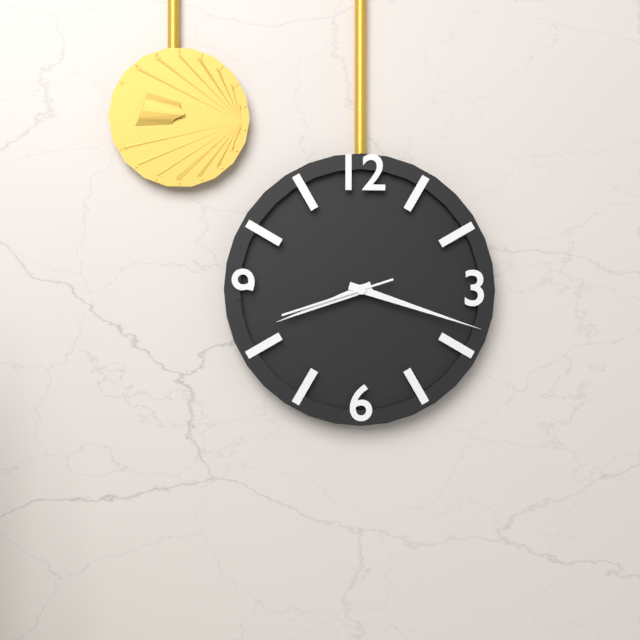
8:18:42
